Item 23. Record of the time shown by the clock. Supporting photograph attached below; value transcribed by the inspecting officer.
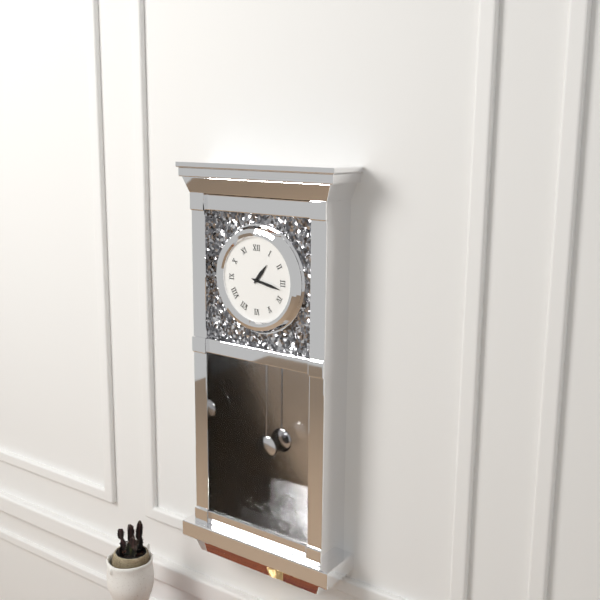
1:17
